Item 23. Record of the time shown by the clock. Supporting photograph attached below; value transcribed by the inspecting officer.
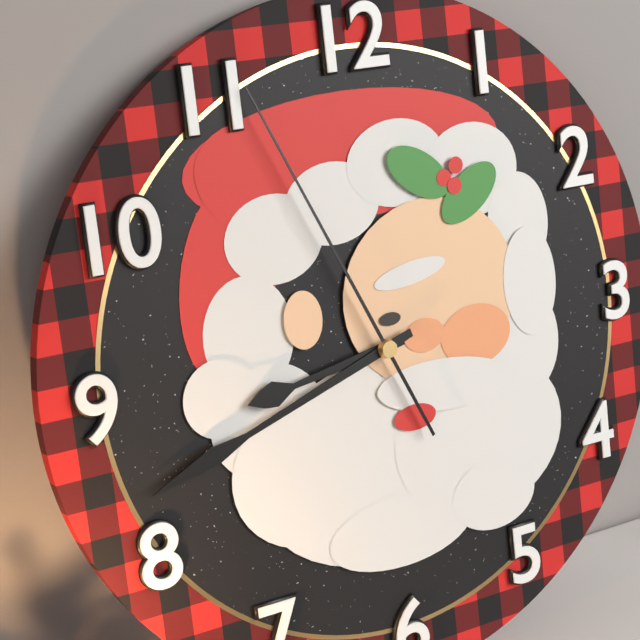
8:42:56
